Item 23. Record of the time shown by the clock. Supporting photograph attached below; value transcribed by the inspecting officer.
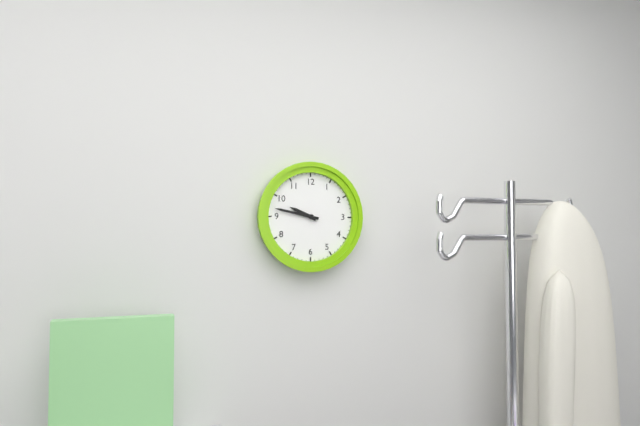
9:47
